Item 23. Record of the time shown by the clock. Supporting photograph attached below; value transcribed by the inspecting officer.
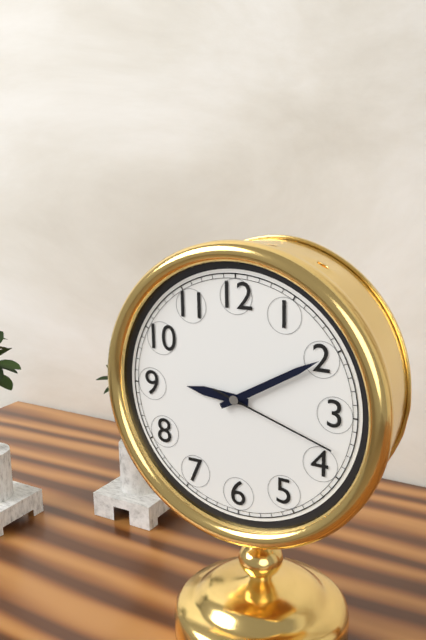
9:10:18
